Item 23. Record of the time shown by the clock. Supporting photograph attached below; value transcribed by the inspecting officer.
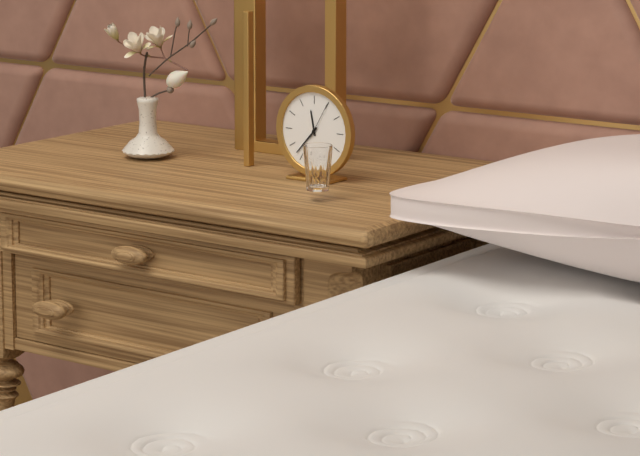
11:37
